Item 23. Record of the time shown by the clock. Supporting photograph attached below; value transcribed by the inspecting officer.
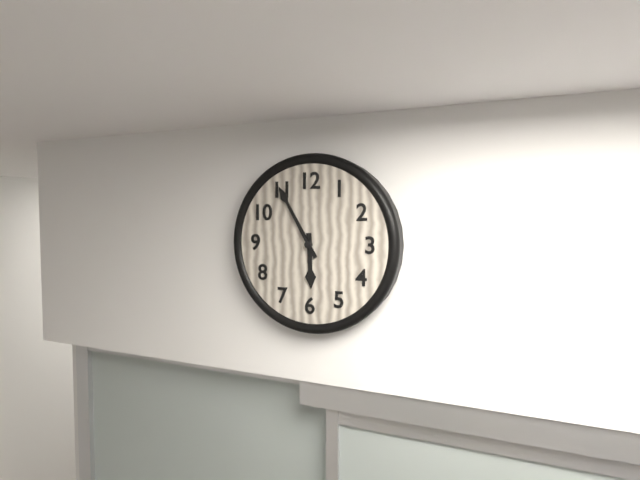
5:55
